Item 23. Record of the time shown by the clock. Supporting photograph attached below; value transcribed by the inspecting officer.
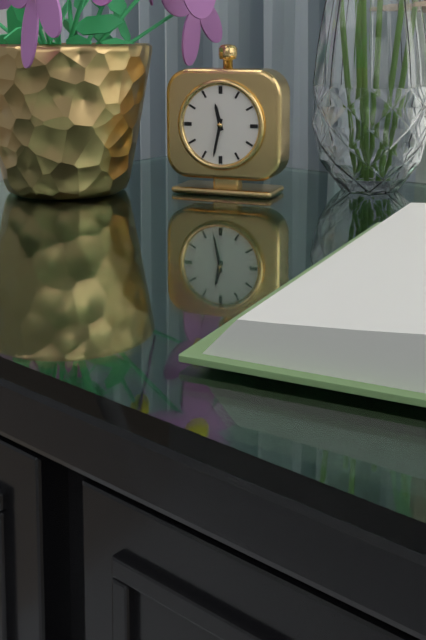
11:32
